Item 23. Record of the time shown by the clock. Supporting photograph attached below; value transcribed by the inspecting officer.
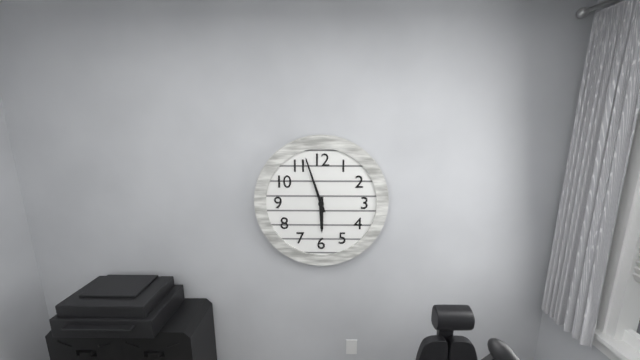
5:57
